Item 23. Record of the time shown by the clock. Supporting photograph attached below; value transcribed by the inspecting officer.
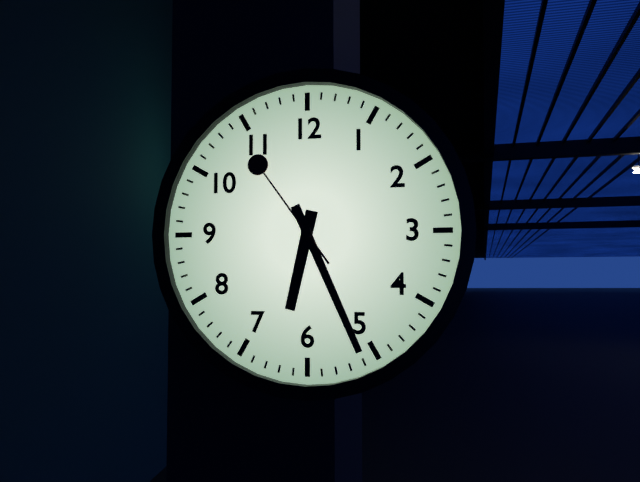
6:26:54
